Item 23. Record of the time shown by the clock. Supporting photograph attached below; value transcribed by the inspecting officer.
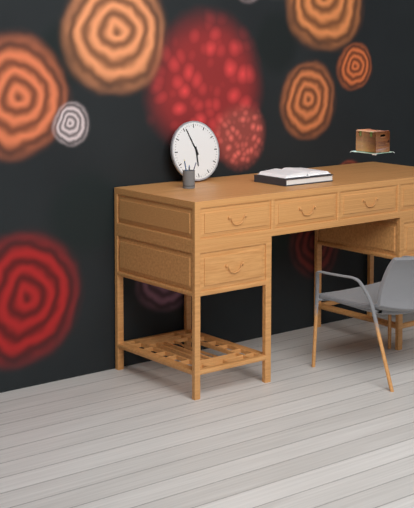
5:56
